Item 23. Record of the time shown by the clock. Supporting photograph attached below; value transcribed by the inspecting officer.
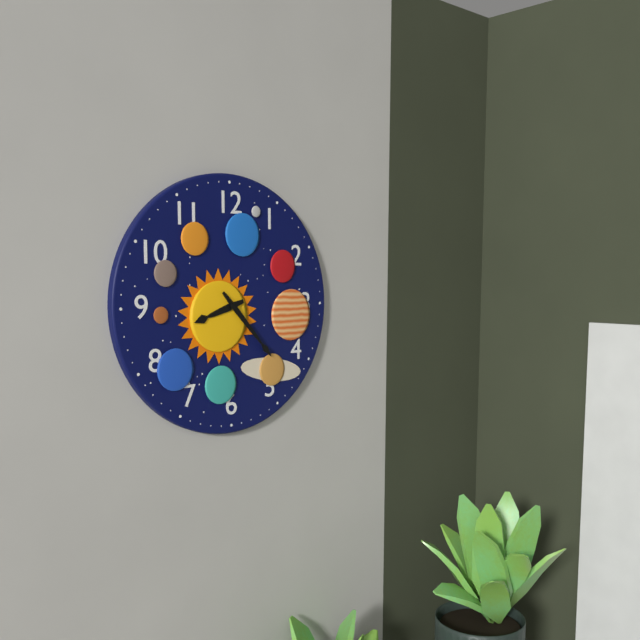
8:23
